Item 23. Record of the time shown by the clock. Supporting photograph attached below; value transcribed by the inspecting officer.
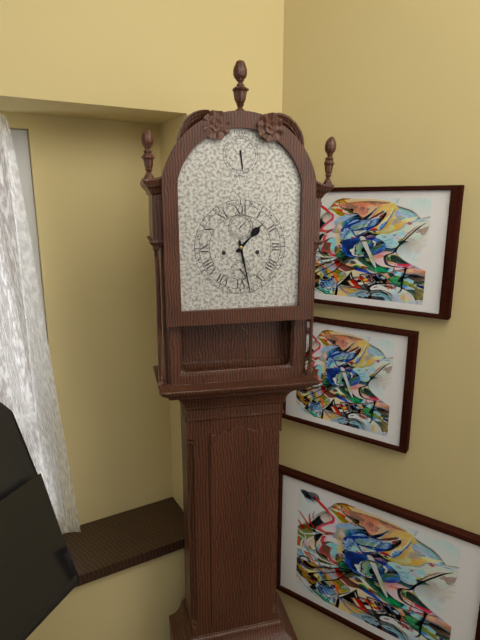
1:28
